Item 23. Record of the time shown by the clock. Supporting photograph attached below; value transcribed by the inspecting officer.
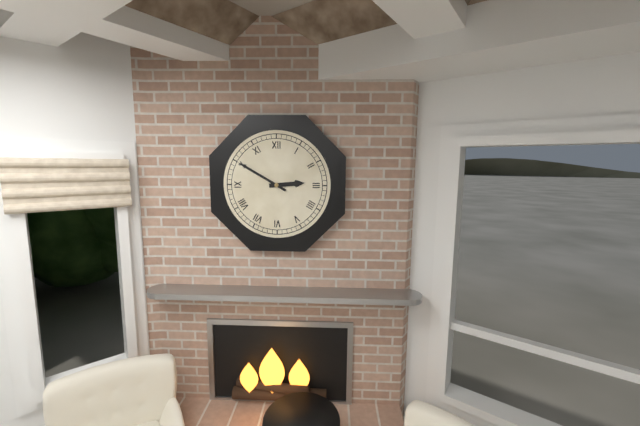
2:50
